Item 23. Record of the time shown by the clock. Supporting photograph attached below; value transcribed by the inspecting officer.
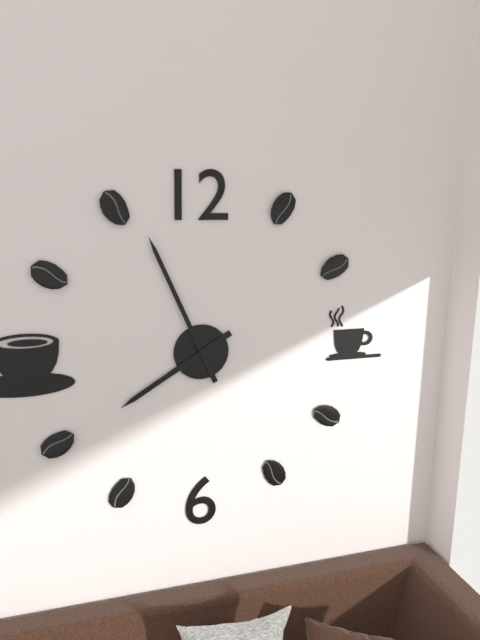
7:56
